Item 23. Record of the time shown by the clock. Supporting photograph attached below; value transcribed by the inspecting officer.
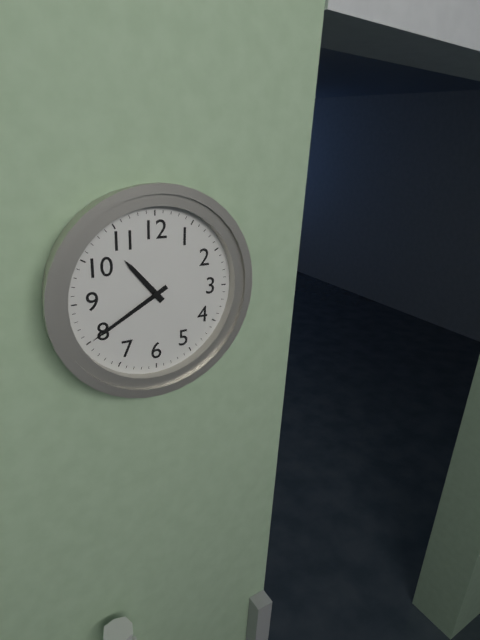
10:40
